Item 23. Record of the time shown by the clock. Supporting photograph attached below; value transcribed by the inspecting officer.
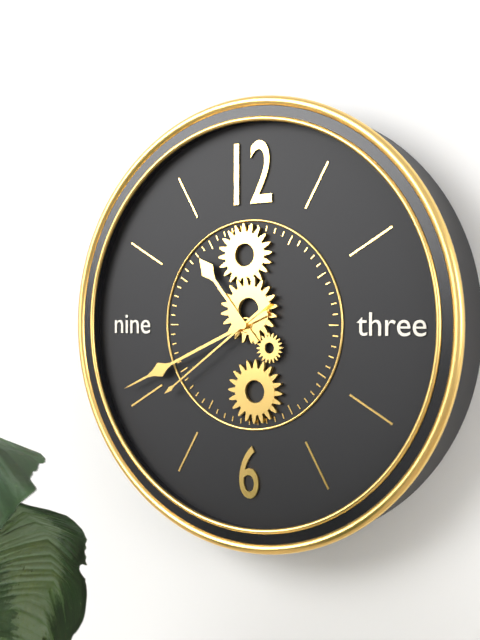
10:41:39
